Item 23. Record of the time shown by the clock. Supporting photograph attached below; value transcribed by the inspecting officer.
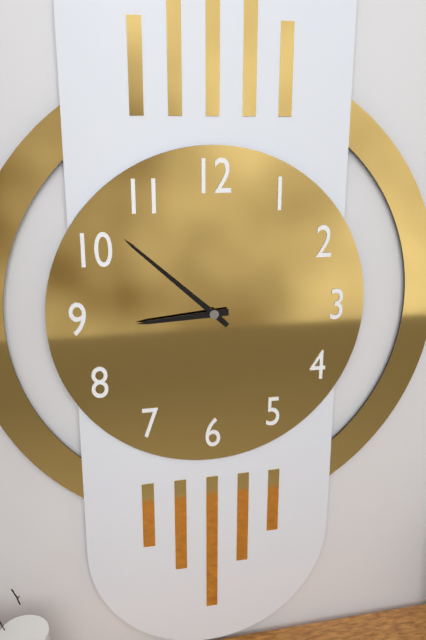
8:52
